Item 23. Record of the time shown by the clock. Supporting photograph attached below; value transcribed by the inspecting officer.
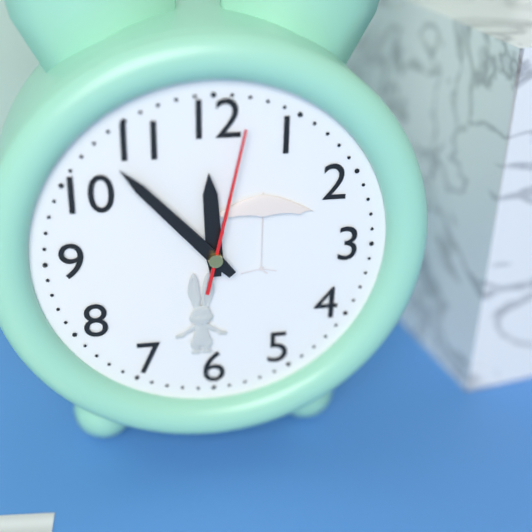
11:53:02
